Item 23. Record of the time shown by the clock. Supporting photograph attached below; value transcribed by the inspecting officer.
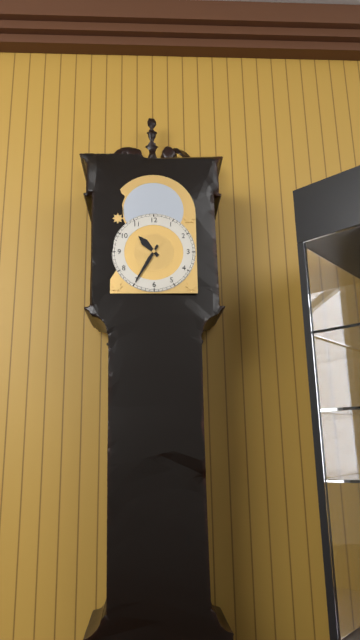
10:35
